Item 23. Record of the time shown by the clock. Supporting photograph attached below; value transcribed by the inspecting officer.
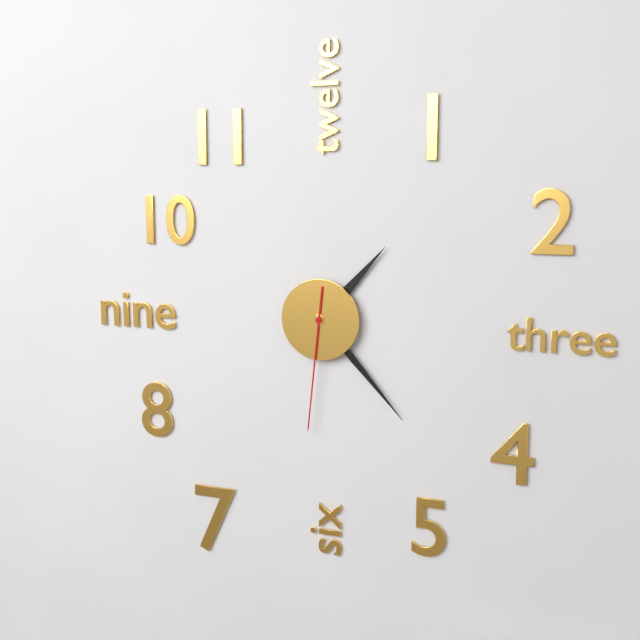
1:23:31
